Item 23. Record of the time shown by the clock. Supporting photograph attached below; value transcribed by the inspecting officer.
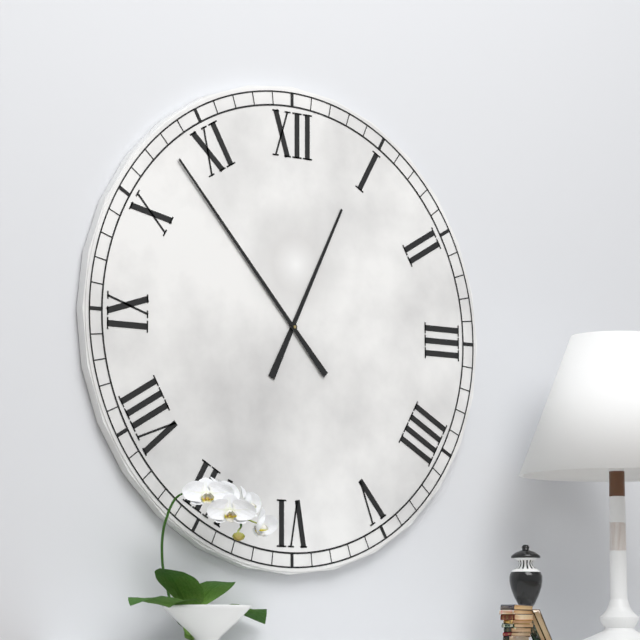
12:53
